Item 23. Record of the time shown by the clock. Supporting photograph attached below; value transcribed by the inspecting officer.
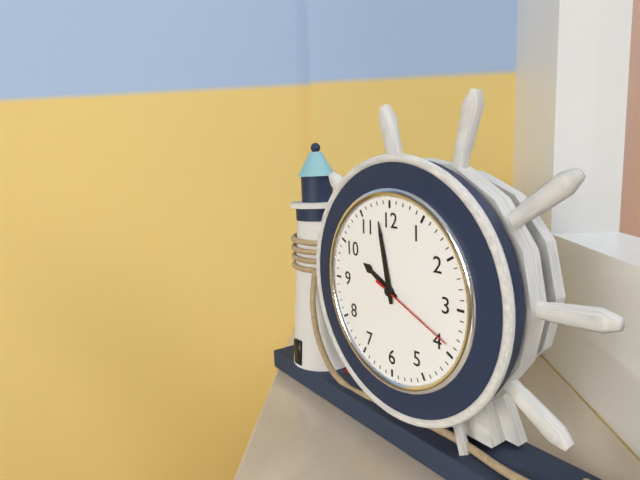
9:58:19
